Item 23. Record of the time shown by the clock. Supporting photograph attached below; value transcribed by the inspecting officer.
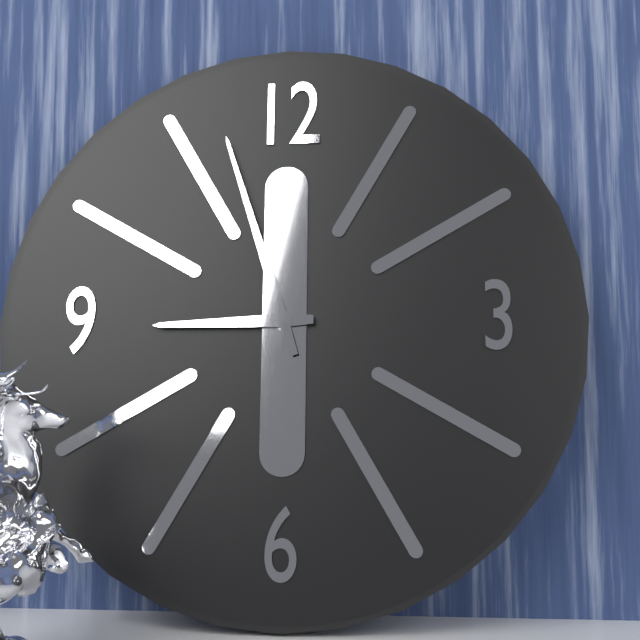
8:57
